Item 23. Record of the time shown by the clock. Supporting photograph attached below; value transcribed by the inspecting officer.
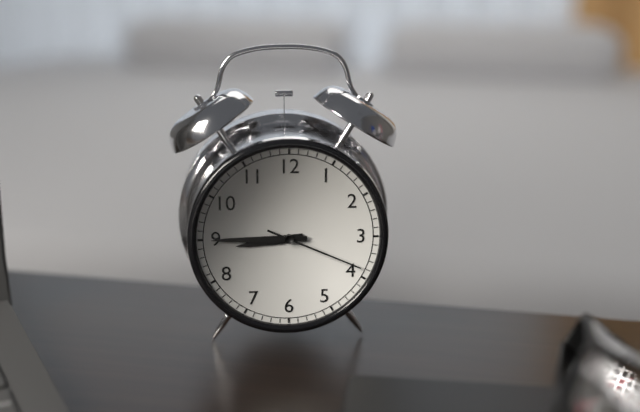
8:45:19
